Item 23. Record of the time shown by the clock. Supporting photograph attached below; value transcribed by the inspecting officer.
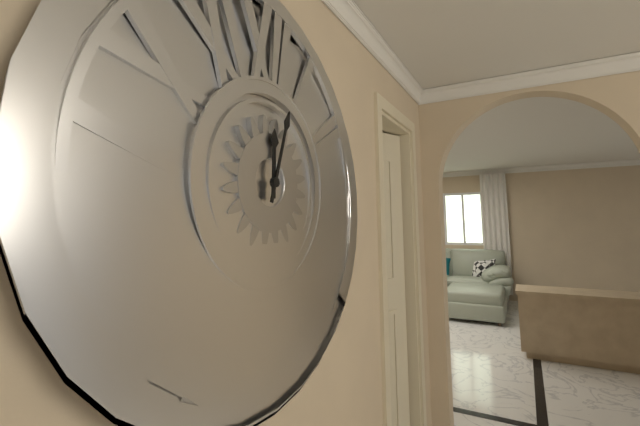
12:03
